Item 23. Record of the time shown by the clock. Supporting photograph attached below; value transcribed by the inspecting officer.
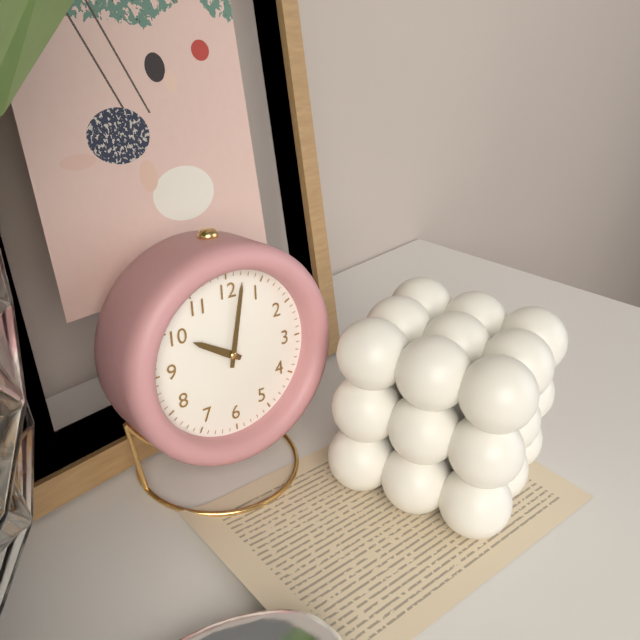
10:02
